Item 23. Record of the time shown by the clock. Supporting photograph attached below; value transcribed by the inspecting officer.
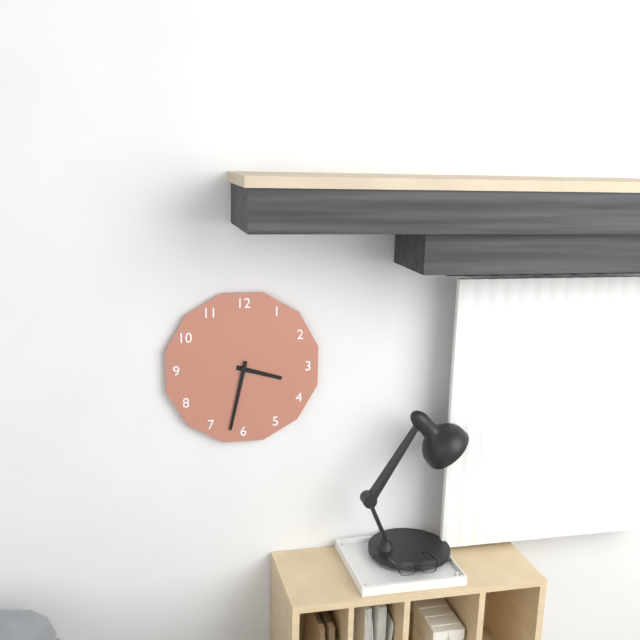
3:32
